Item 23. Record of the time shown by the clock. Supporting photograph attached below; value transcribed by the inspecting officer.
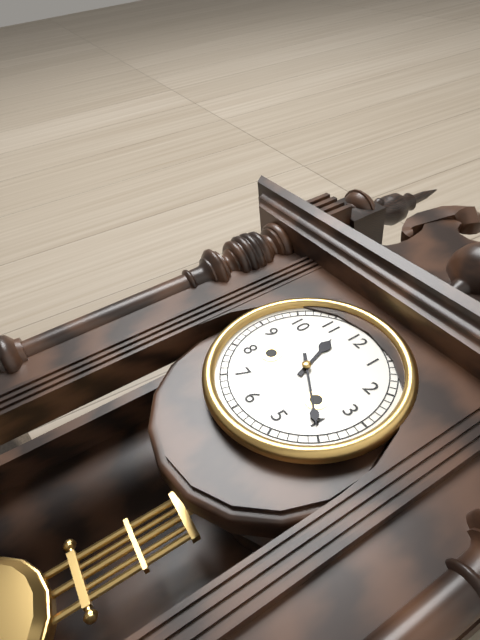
11:20
